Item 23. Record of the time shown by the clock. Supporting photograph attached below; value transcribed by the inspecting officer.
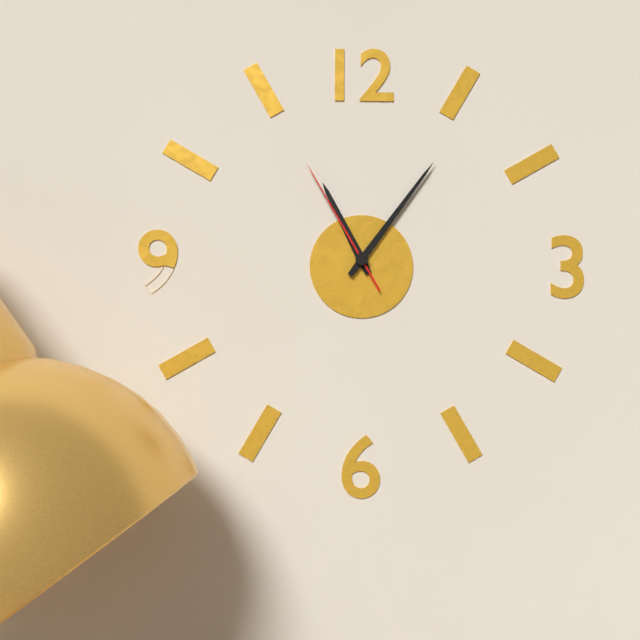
11:06:55
